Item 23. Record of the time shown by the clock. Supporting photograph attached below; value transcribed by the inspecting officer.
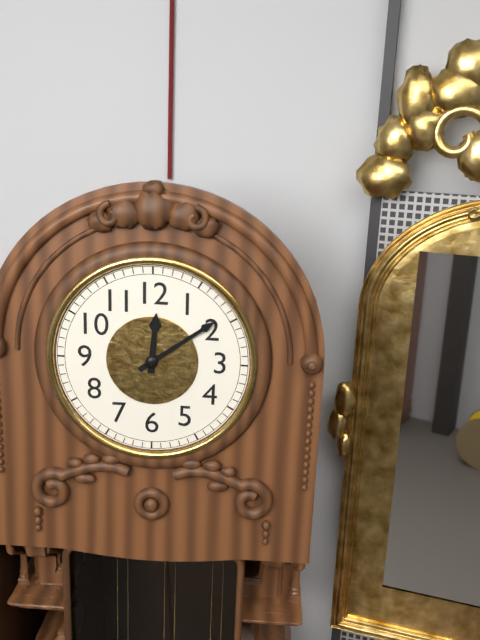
12:09
